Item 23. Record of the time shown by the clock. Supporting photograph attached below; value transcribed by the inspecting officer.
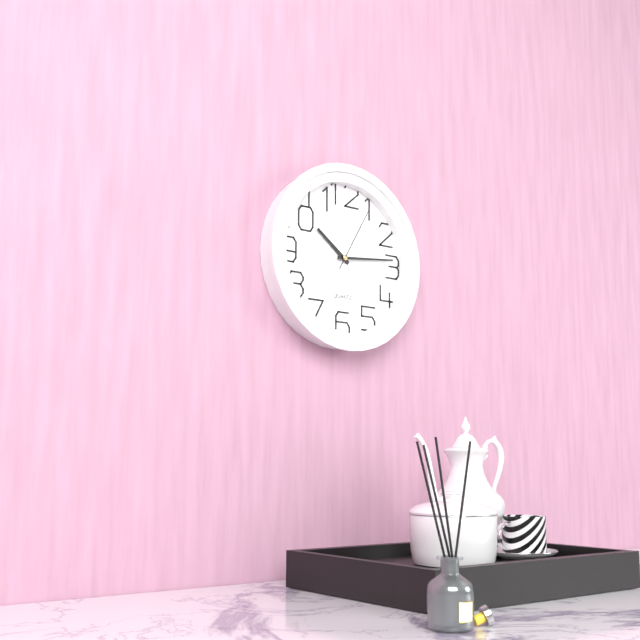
10:14:05
